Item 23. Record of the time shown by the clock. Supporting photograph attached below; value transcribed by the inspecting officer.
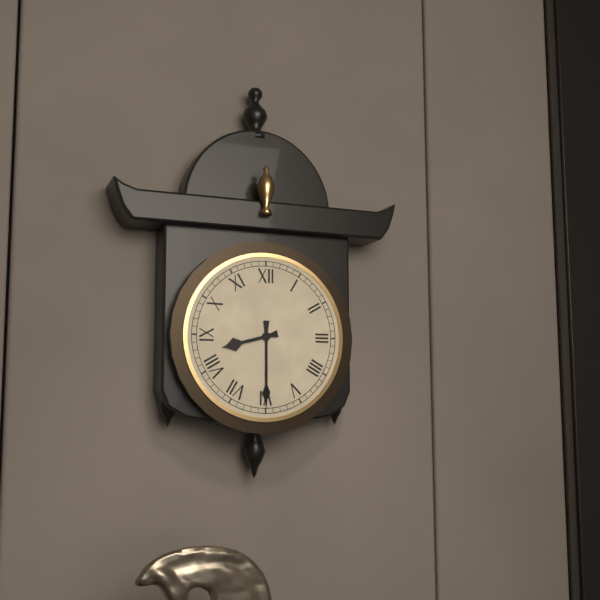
8:30
